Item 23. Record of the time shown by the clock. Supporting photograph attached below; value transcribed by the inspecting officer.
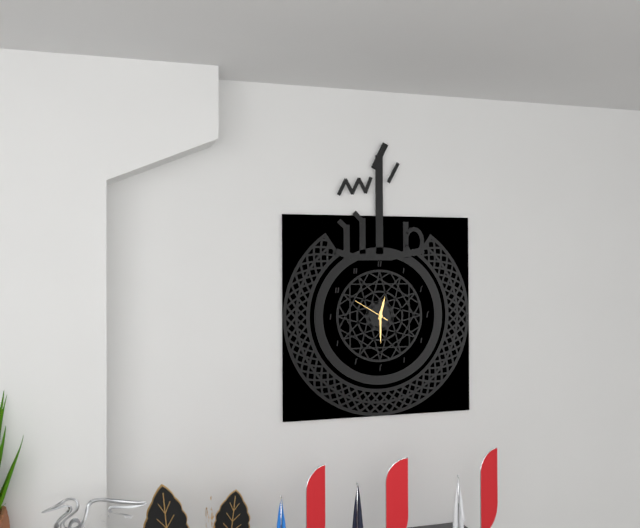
12:30
